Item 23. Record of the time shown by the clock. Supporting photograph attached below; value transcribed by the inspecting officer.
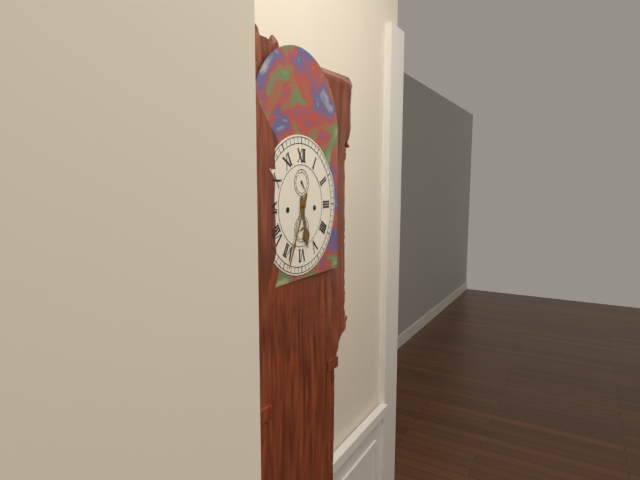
5:34
